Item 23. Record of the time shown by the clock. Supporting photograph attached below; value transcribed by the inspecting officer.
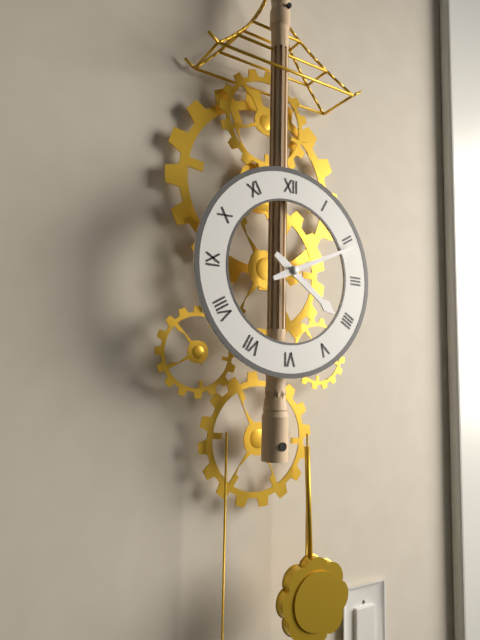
4:11
